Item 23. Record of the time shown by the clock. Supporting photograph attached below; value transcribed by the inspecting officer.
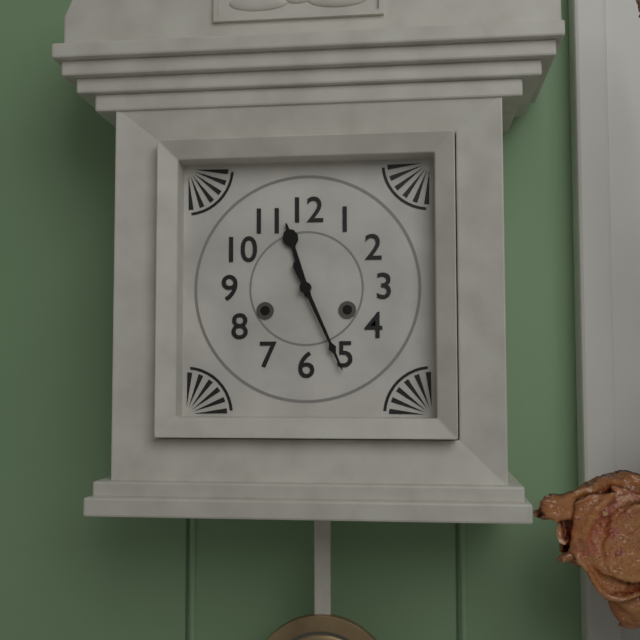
11:26
